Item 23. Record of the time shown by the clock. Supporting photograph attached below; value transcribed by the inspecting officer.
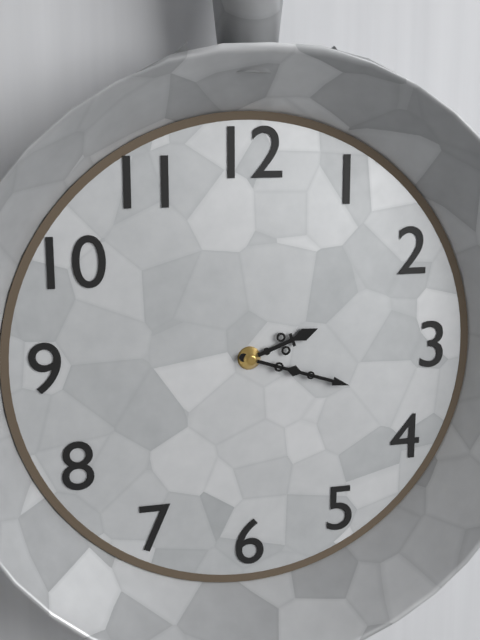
2:18
